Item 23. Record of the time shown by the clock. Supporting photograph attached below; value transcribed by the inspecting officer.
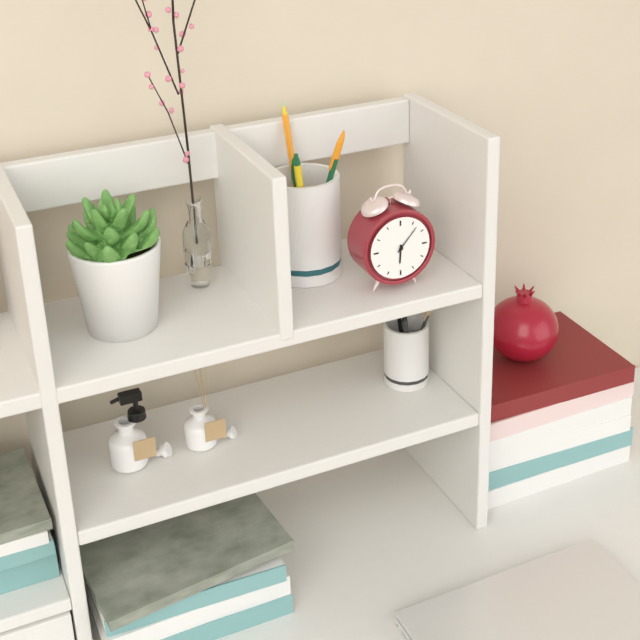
6:07
